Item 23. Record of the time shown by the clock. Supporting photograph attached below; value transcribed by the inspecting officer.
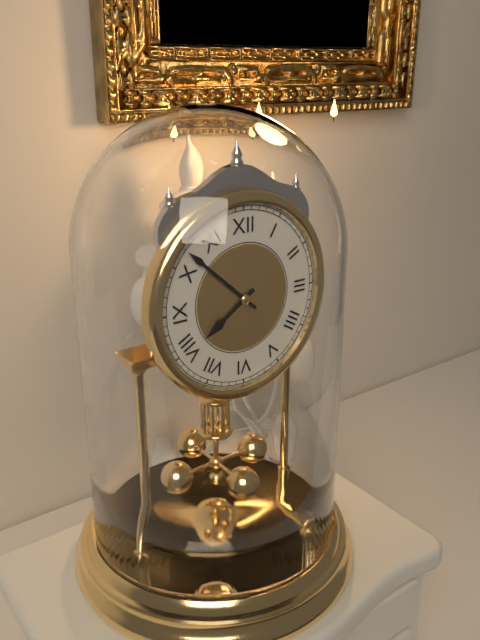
7:52
